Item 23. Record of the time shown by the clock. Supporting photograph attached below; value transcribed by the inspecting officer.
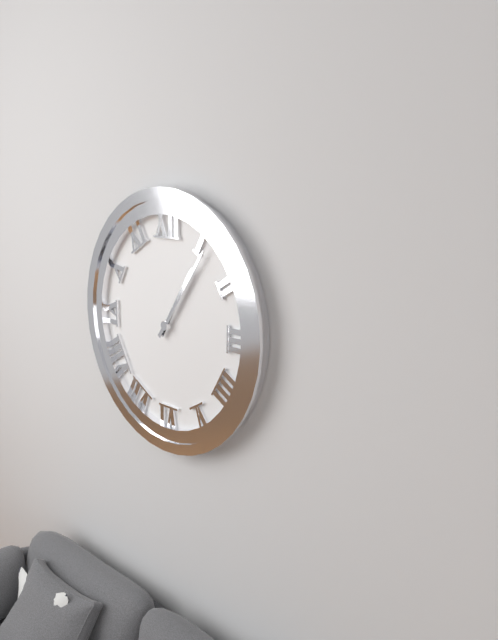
1:06
